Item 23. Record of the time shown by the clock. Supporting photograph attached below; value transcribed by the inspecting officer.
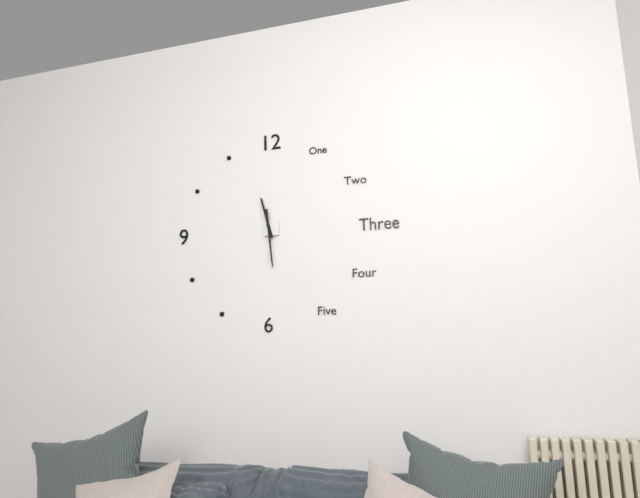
11:29
